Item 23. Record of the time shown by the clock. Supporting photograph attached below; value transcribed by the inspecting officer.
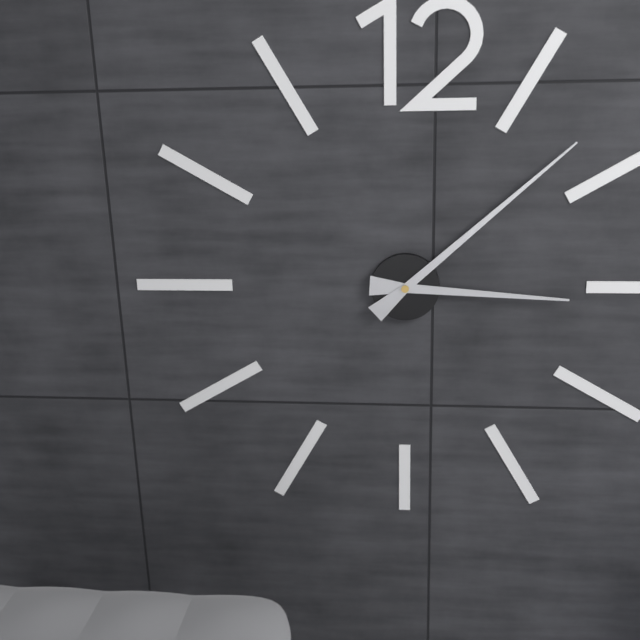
3:08
